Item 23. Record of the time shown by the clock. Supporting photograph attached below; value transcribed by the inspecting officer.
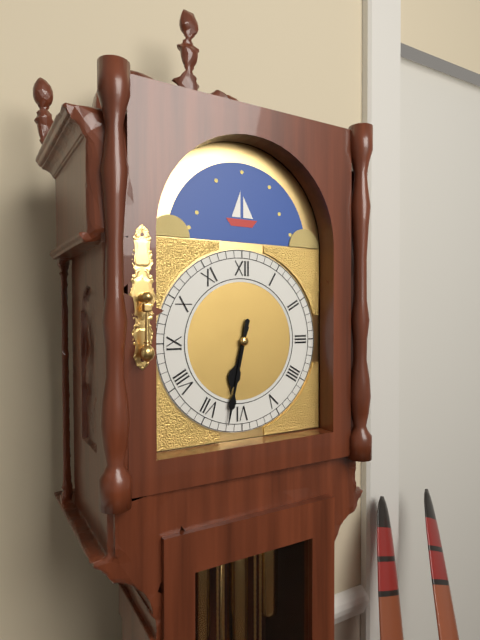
6:32
